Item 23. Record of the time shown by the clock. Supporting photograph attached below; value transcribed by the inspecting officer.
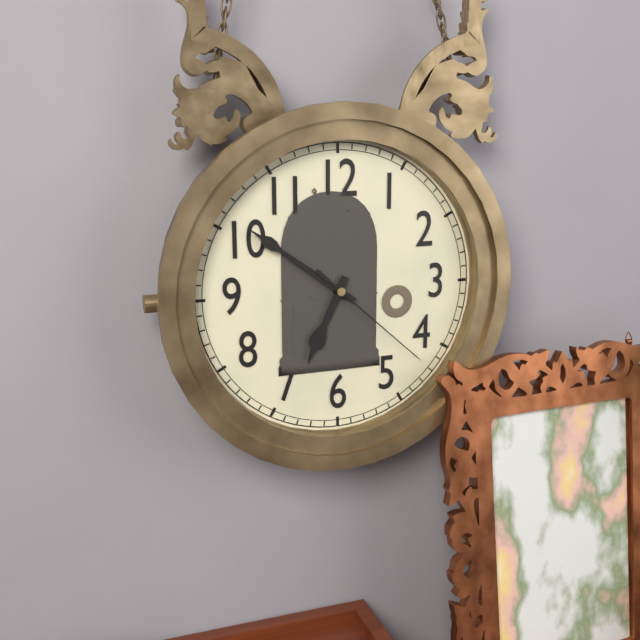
6:51:22
